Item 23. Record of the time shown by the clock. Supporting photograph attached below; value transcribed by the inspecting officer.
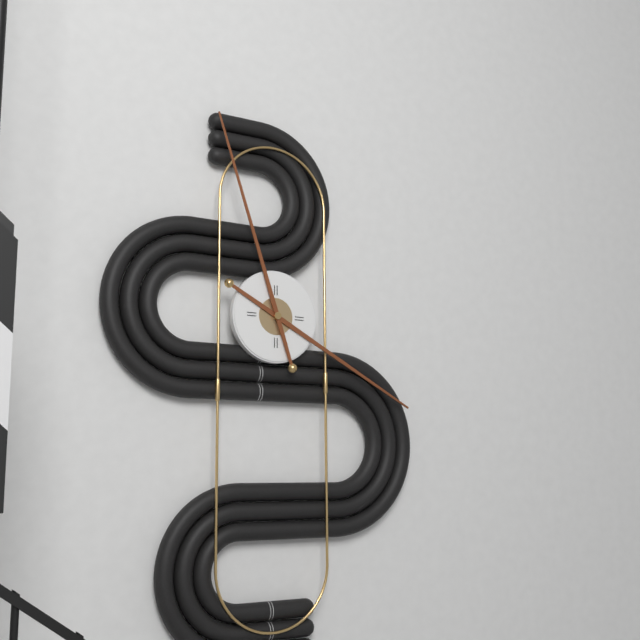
3:57
